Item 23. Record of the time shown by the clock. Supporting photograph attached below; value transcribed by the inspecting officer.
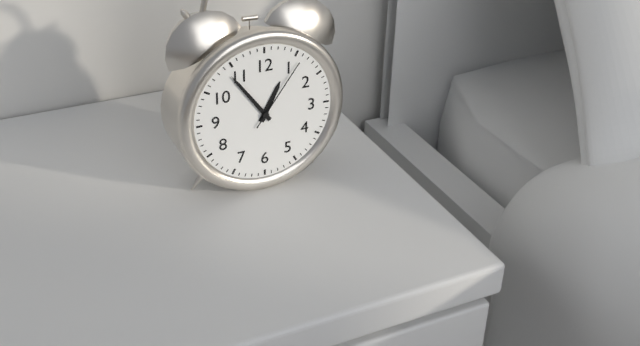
12:54:06
